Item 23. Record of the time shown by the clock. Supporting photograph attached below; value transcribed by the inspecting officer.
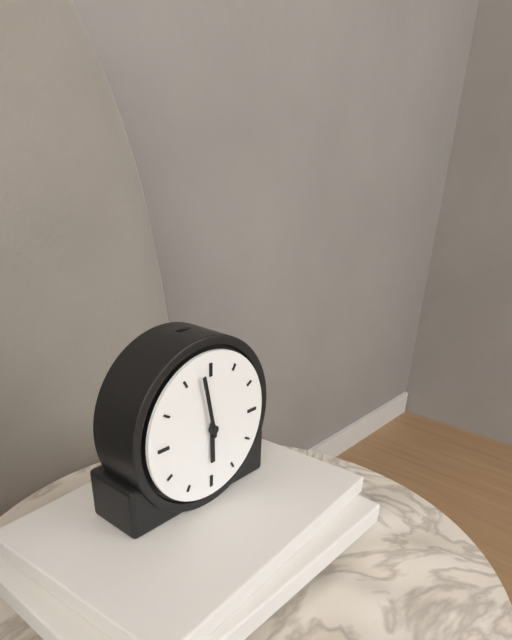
5:58
